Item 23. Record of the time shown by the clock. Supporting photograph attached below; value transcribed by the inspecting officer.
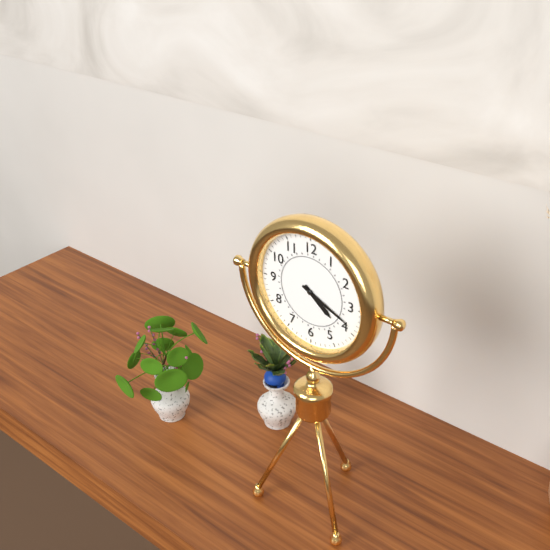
4:19
